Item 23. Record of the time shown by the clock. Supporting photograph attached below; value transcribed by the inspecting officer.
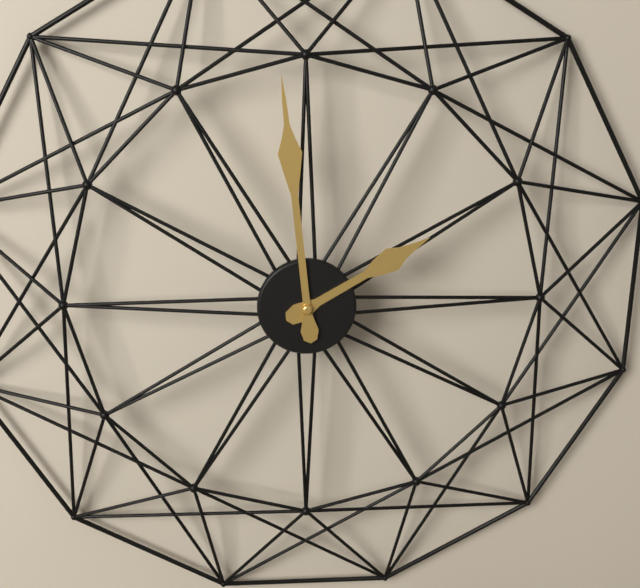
1:59
